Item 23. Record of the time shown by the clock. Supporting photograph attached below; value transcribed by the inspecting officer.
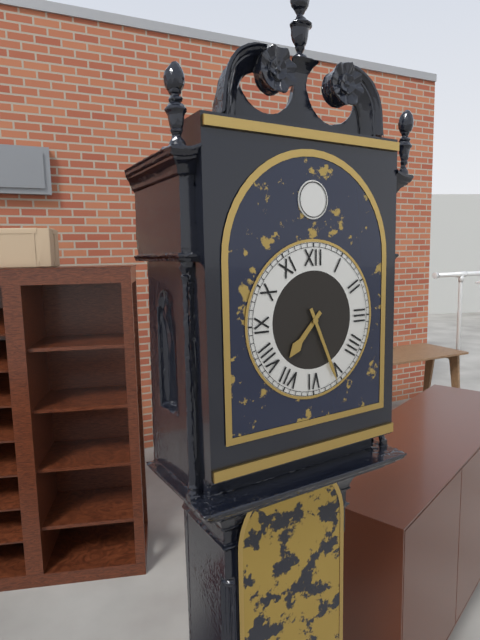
7:26
